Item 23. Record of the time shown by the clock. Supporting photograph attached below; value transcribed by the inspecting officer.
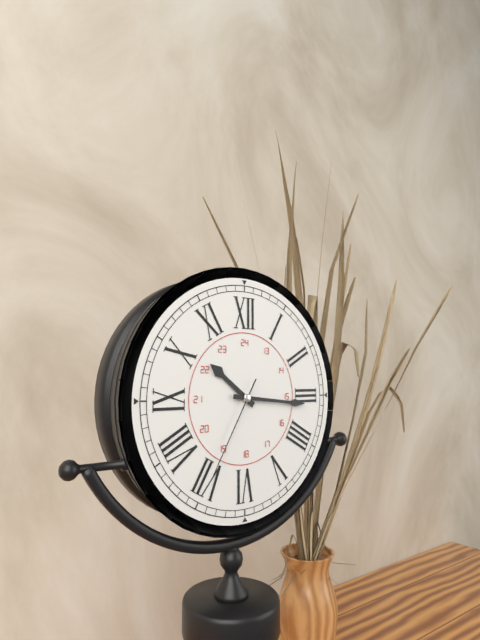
10:16:35
